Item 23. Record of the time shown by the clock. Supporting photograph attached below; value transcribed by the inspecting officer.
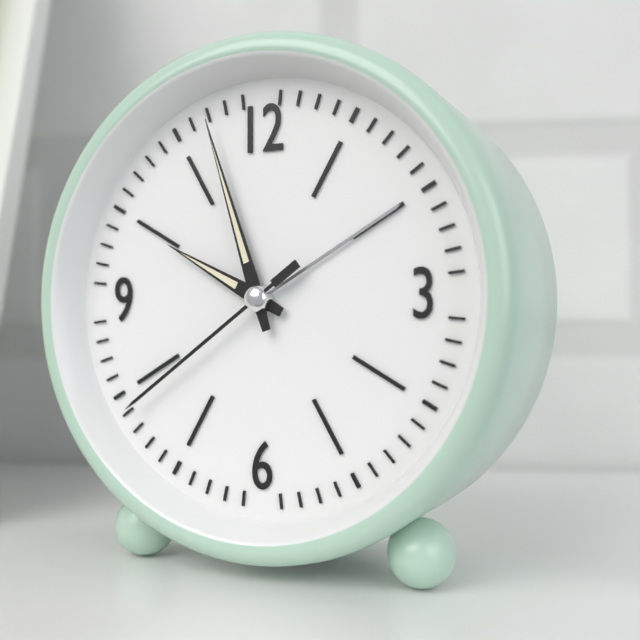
9:57:39
